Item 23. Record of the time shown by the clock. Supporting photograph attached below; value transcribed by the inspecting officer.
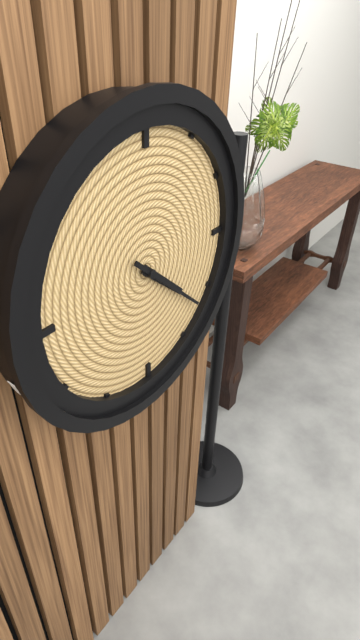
4:22
